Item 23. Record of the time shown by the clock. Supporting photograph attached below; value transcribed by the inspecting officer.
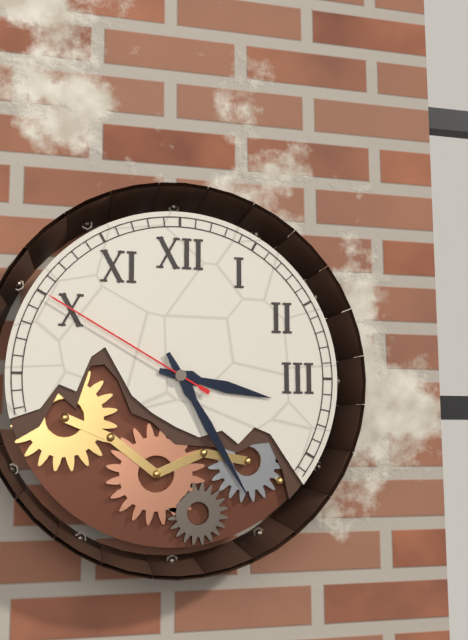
3:25:50
